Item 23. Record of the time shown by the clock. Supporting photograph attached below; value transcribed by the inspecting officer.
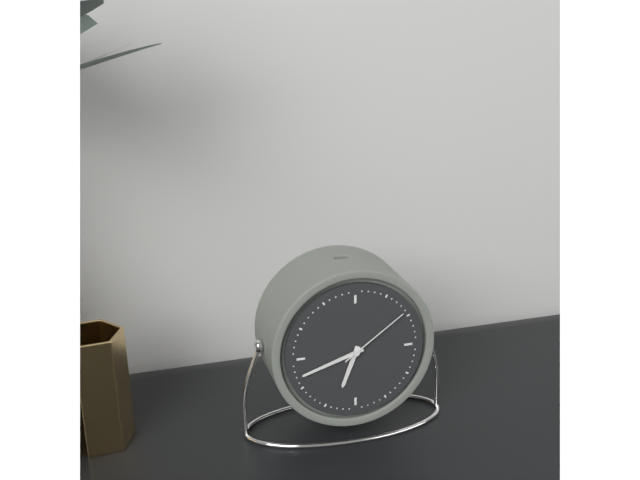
6:42:09
